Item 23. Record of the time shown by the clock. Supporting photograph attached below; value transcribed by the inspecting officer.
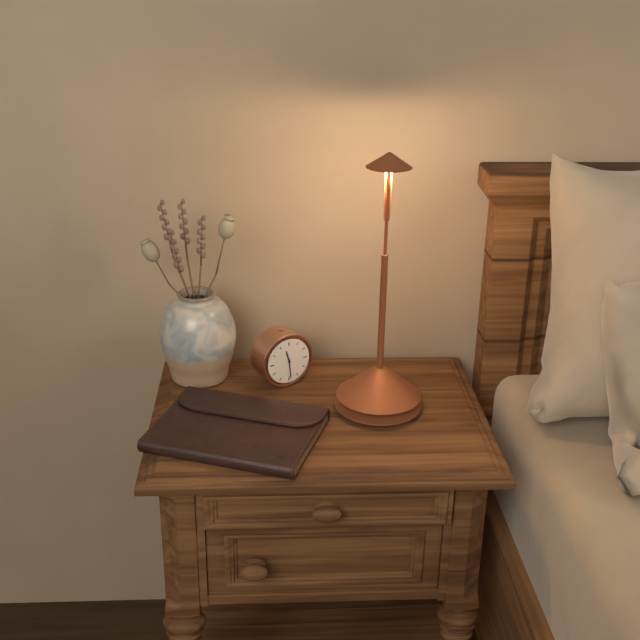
11:29
